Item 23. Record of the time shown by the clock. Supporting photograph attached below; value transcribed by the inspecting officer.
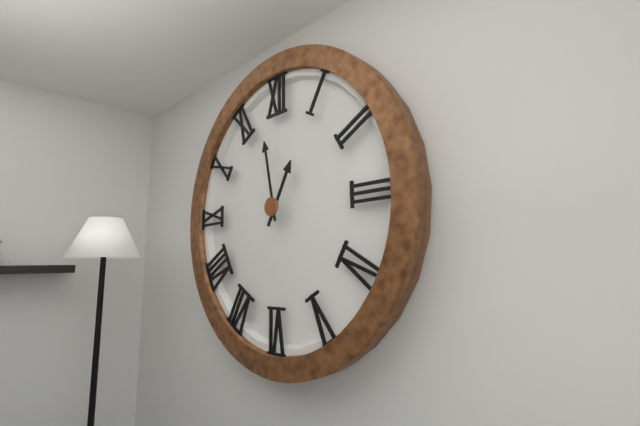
12:58
